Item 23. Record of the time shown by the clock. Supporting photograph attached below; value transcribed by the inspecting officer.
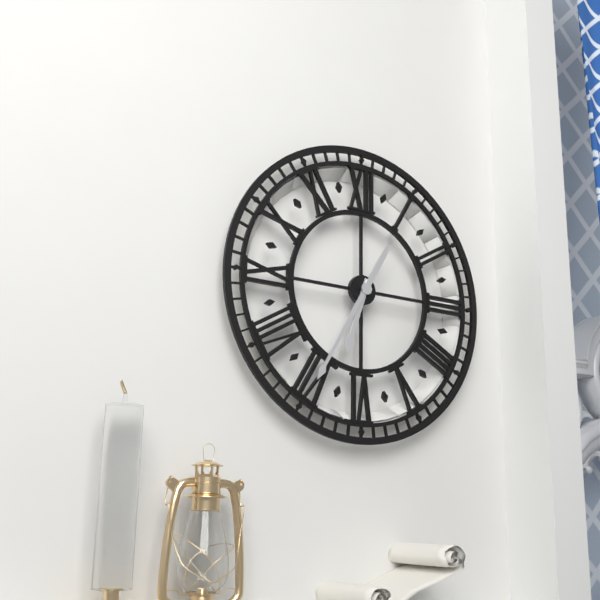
6:35
